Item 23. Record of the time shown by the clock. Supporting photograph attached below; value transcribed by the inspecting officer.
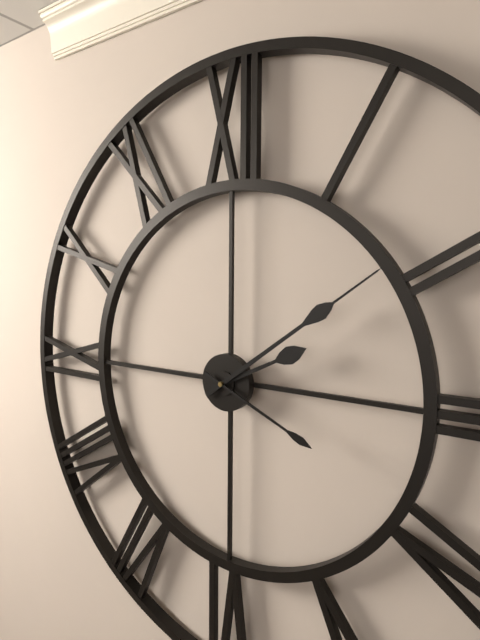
2:09:19
